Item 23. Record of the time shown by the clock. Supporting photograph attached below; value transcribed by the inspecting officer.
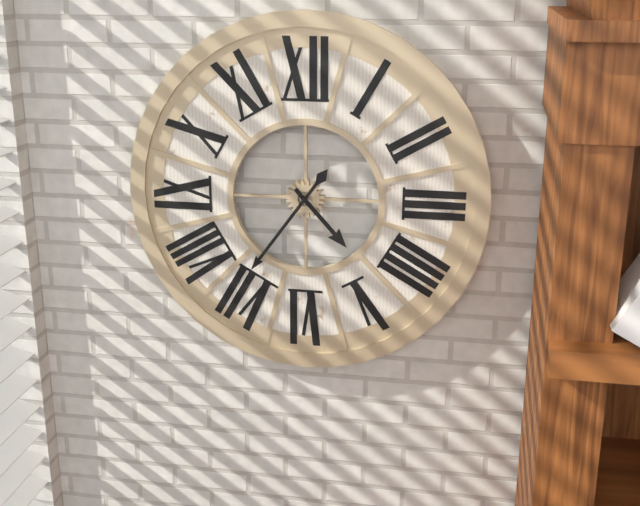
4:36
